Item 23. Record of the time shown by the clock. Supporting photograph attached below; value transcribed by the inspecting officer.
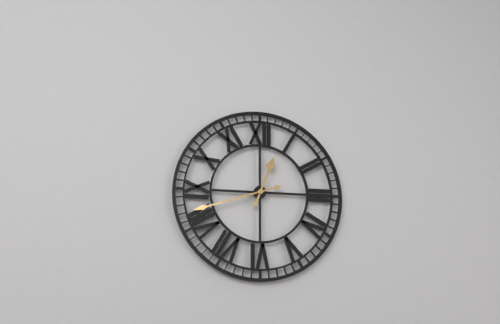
12:42
